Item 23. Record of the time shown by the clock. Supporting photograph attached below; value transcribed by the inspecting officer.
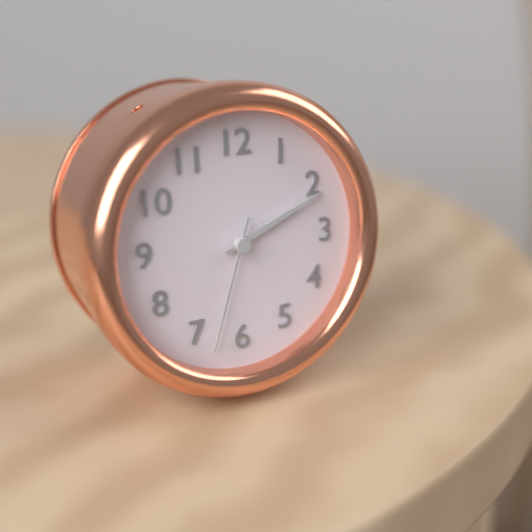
2:11:33
